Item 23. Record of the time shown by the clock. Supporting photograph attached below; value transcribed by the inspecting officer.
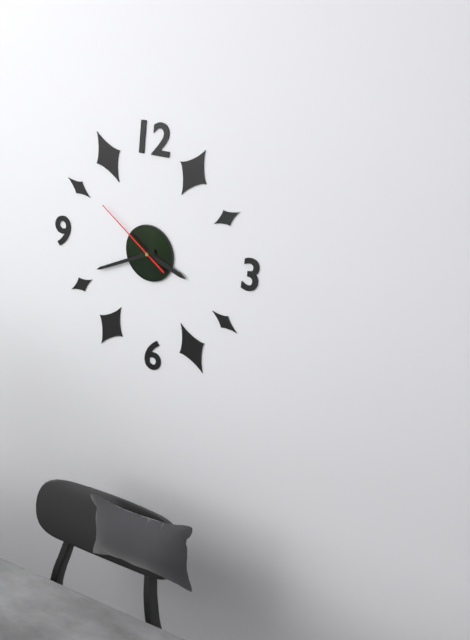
3:41:51
